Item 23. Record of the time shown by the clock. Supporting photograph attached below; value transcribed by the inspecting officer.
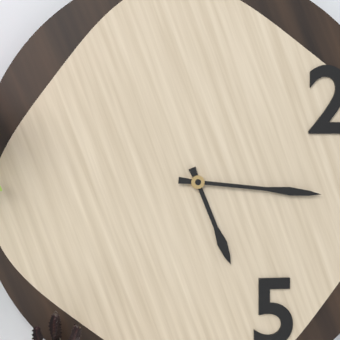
5:16
